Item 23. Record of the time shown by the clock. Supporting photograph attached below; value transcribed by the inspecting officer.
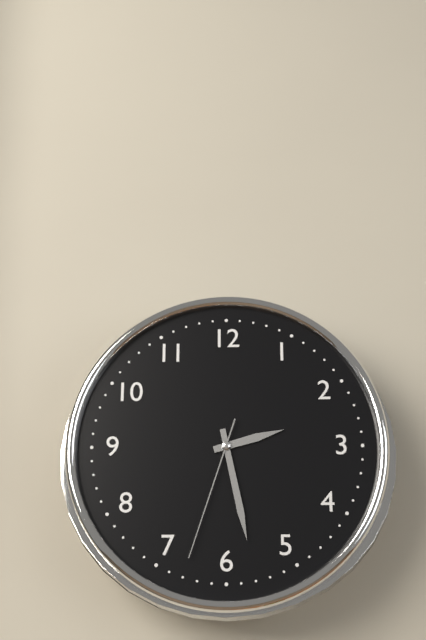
2:28:33
